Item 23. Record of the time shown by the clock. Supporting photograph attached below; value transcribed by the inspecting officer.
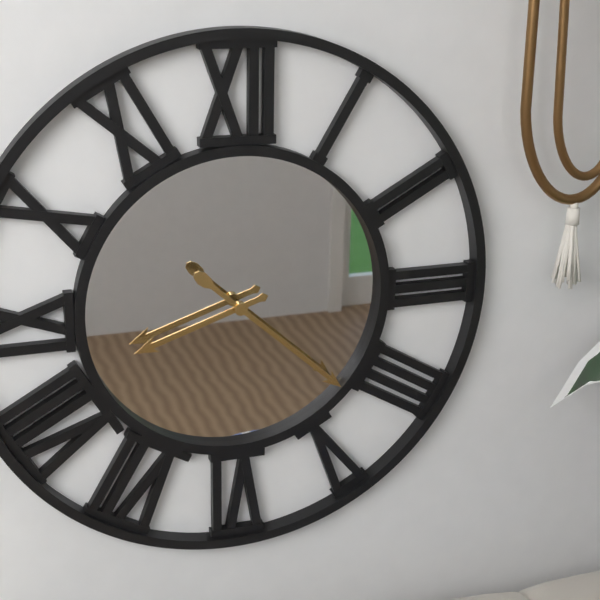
8:22
